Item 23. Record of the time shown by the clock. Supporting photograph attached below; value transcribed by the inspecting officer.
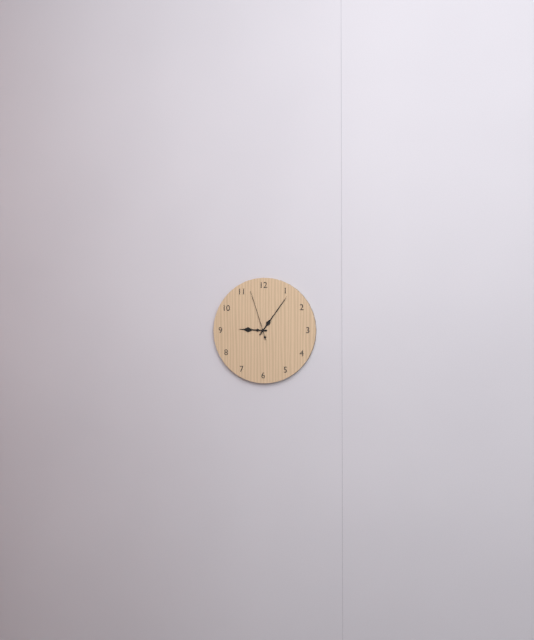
9:06:57
